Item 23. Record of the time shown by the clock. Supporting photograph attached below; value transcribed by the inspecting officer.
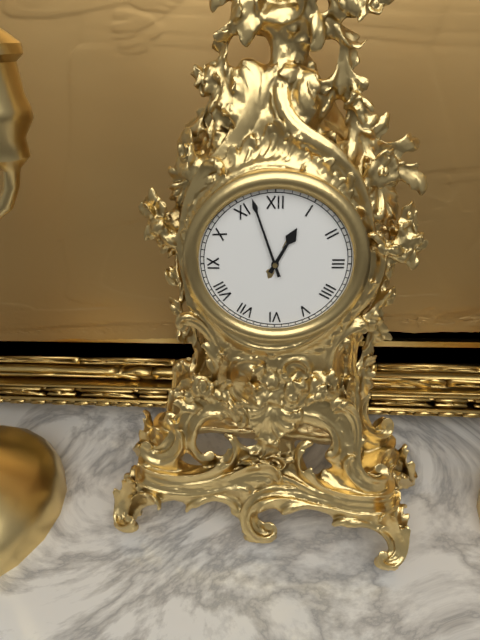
12:57
